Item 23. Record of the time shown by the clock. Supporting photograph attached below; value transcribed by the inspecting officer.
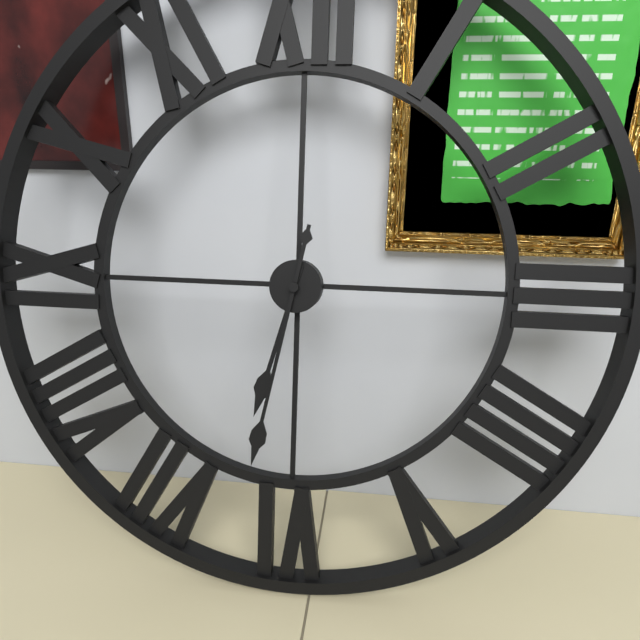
6:32
